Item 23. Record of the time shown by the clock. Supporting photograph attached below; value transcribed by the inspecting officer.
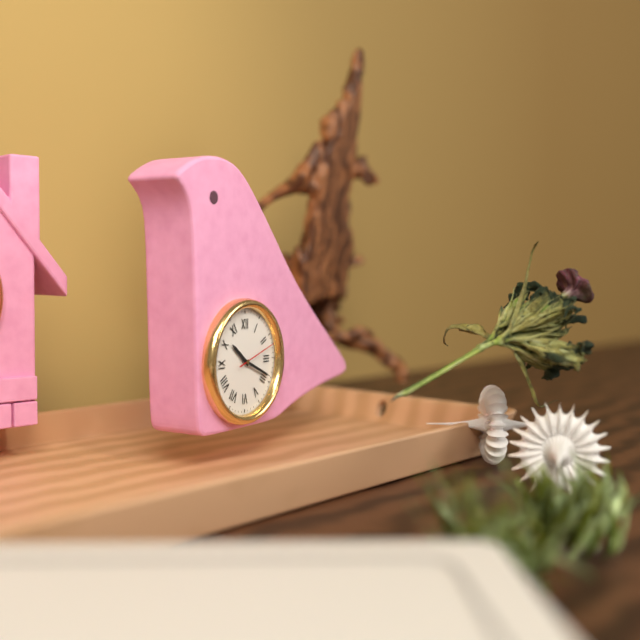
10:19
